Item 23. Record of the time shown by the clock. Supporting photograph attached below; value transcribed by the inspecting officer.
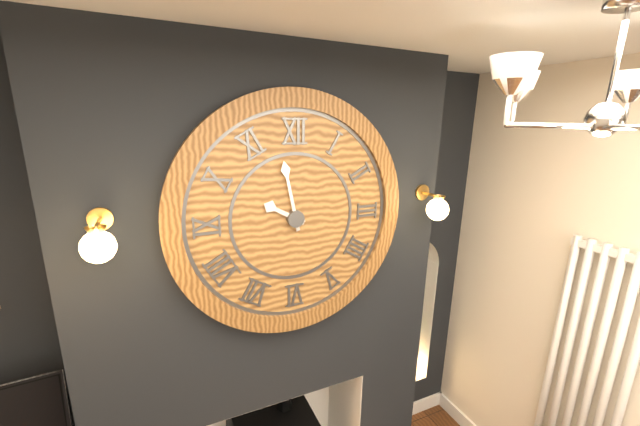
9:58
